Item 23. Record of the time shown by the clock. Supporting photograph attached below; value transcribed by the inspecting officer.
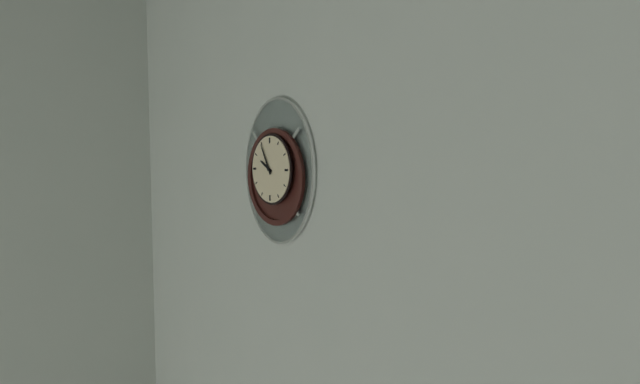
9:55
